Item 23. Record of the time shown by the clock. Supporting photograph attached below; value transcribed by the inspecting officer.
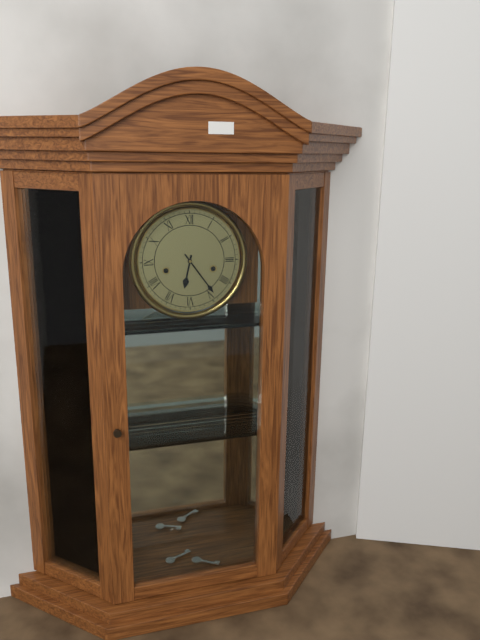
6:24
